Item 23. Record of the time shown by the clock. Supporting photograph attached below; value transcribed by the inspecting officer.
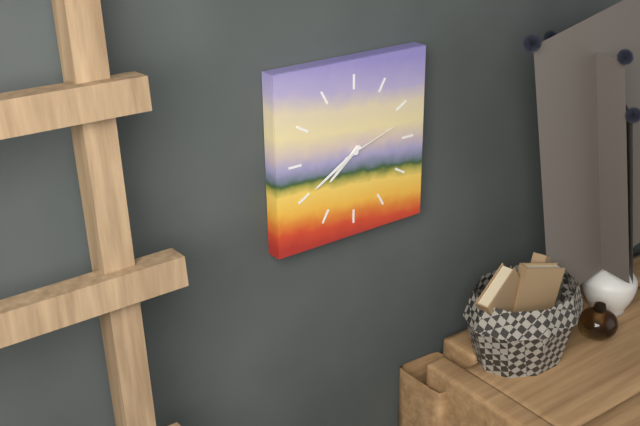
7:40:12
